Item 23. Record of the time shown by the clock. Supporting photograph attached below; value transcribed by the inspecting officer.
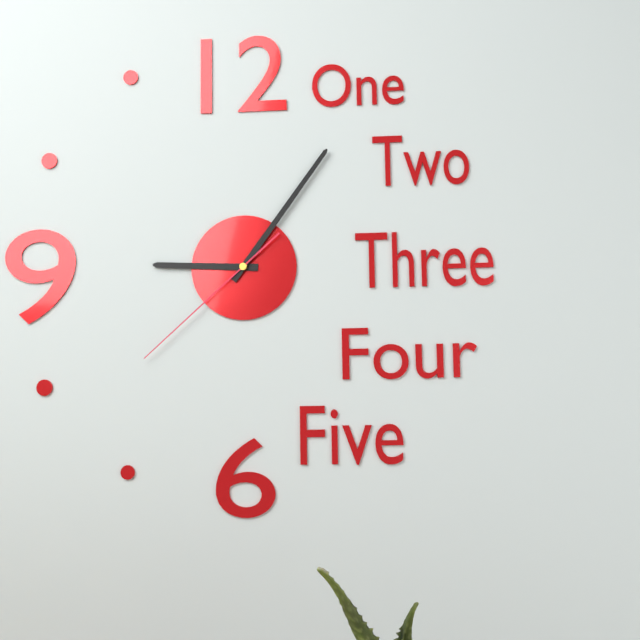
9:06:38
